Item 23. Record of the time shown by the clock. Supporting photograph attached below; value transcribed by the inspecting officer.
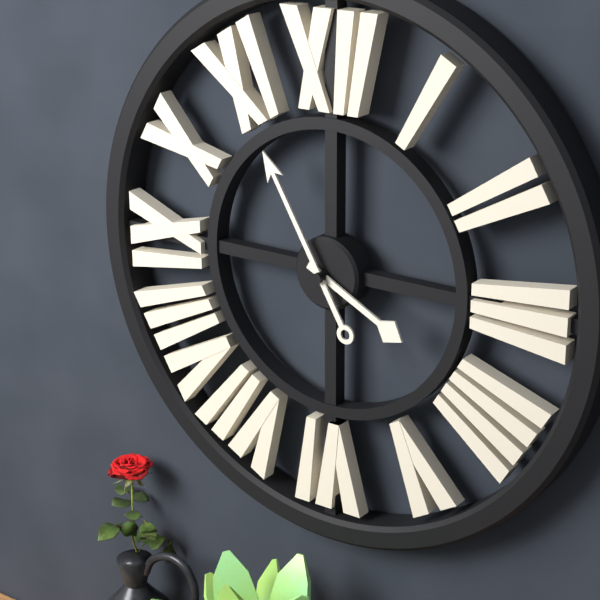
3:55
